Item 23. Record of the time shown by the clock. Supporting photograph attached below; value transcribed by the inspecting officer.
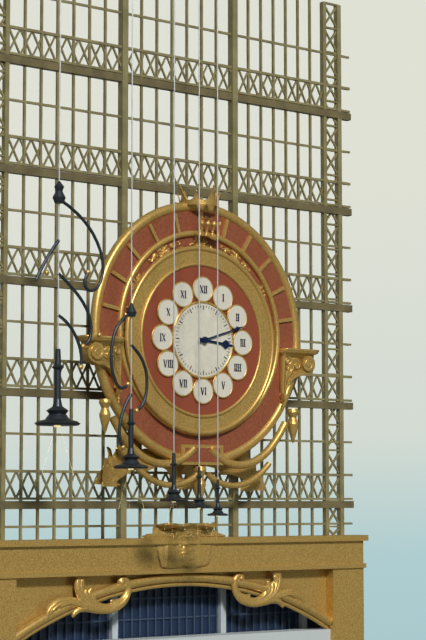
3:12
